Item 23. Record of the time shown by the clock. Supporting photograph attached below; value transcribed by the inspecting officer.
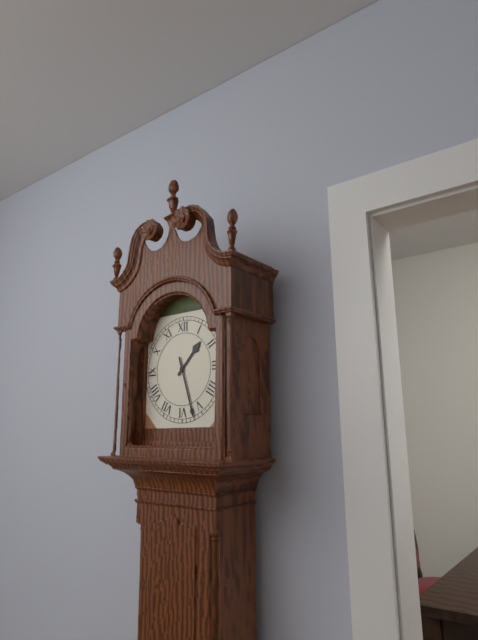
1:27
